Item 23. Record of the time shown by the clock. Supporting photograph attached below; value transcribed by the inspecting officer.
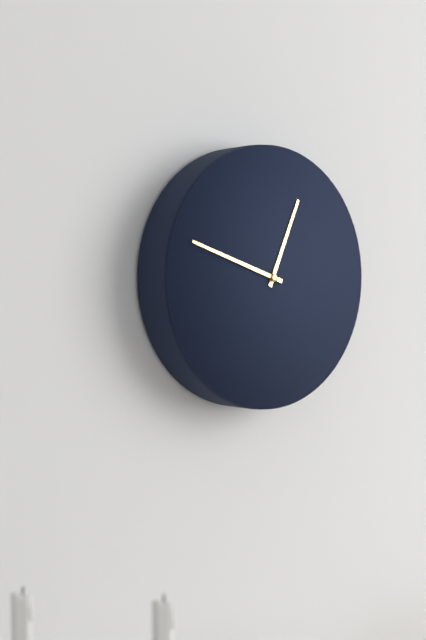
12:48
